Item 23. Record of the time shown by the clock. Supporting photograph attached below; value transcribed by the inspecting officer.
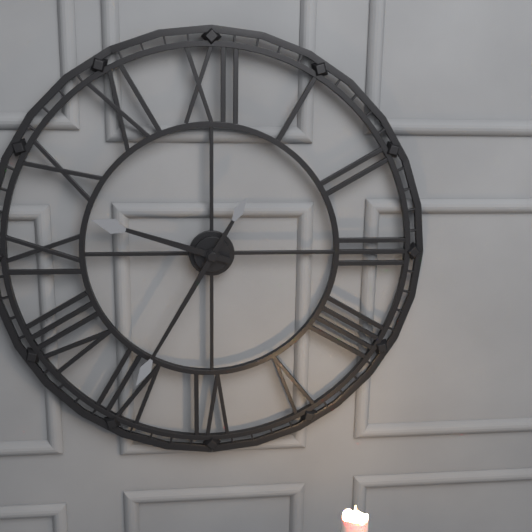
9:35
